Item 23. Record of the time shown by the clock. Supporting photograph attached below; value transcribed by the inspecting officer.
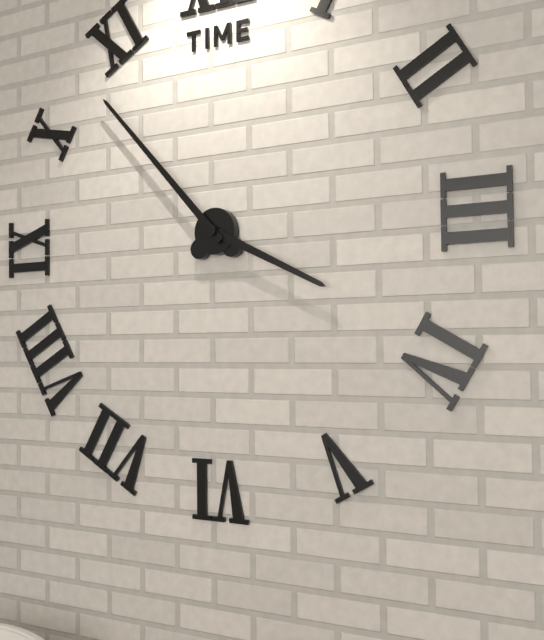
3:53
